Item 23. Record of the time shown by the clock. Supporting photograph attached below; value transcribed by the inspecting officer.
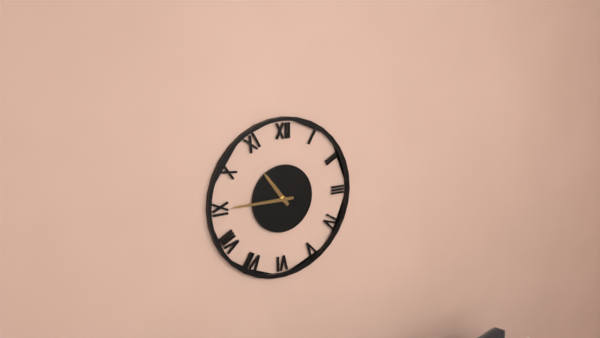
10:45
